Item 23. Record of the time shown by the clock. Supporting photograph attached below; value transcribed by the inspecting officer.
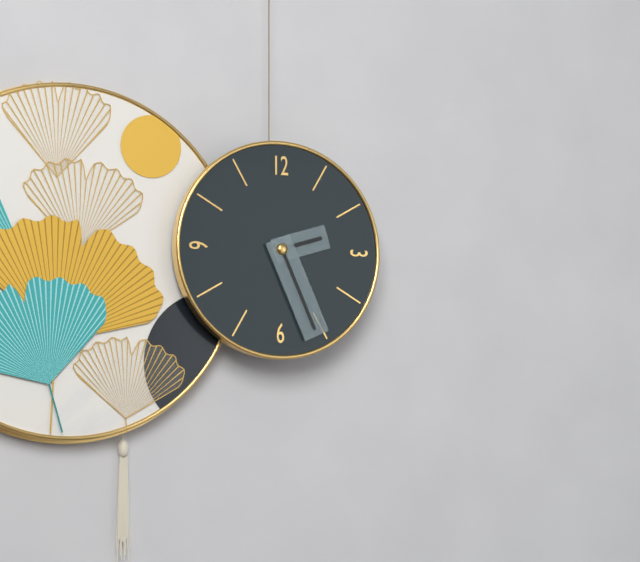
2:26
